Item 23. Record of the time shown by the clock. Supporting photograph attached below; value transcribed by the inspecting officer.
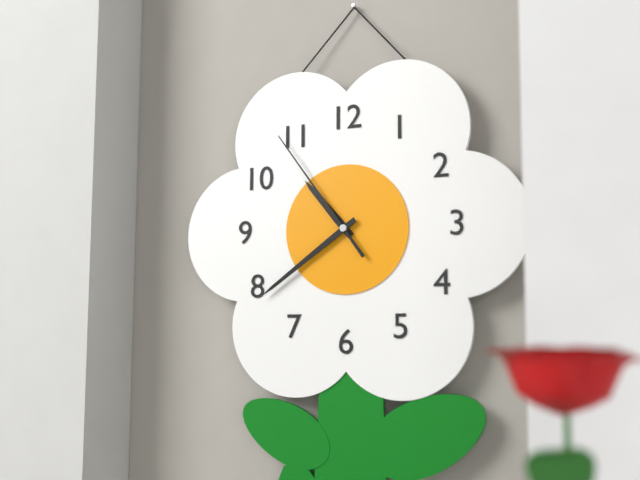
10:39:54
